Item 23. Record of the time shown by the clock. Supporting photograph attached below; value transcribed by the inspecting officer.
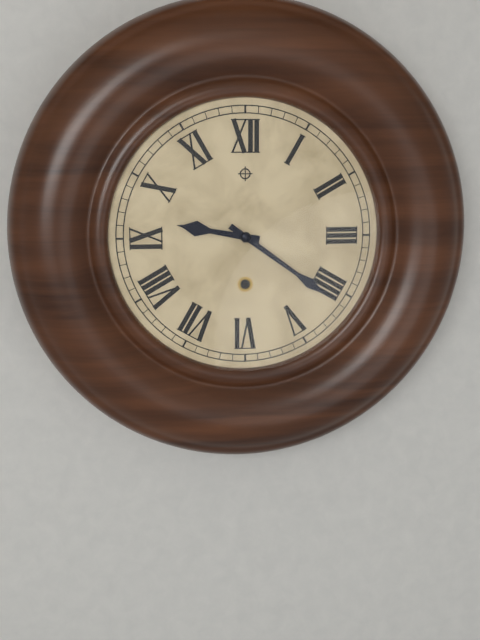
9:21
